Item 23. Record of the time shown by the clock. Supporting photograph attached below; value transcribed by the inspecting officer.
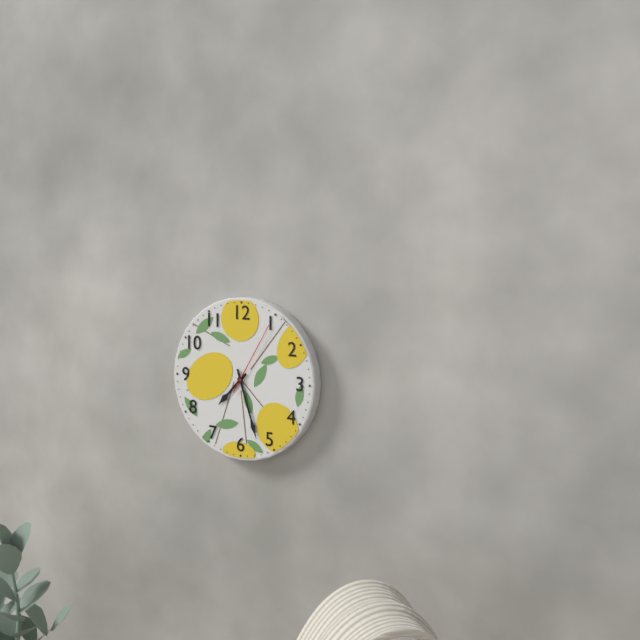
7:27:05
